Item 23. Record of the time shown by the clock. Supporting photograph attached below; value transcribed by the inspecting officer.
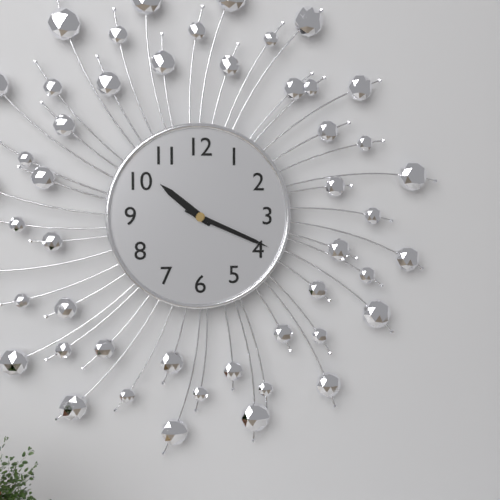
10:19
